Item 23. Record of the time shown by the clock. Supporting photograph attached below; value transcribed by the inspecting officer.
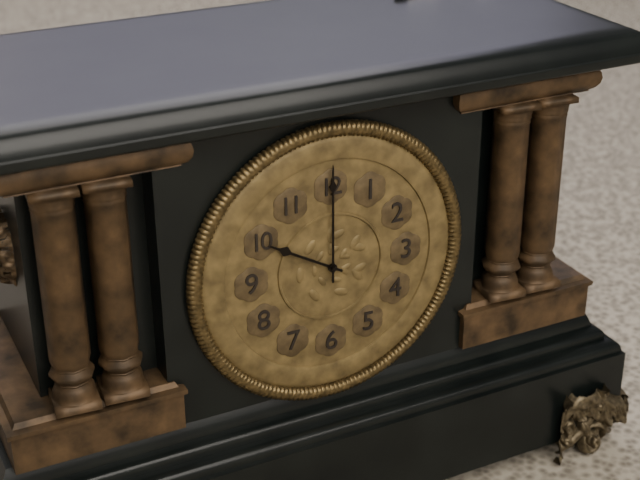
10:00
